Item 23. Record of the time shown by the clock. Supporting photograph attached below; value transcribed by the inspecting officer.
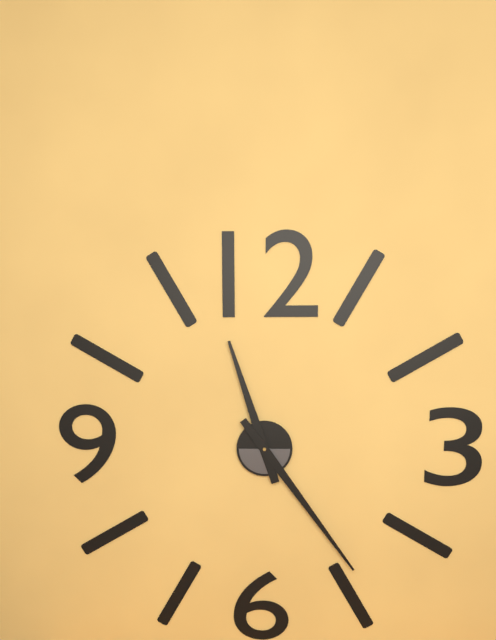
11:24
